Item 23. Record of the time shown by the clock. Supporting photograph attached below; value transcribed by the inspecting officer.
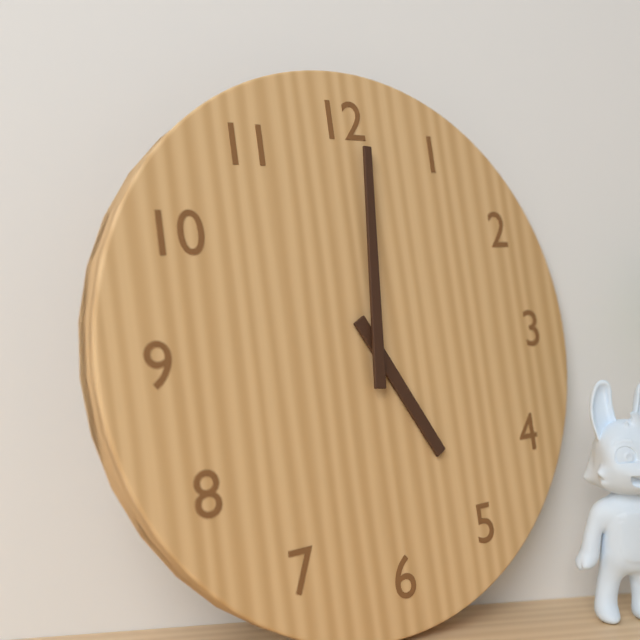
5:01
